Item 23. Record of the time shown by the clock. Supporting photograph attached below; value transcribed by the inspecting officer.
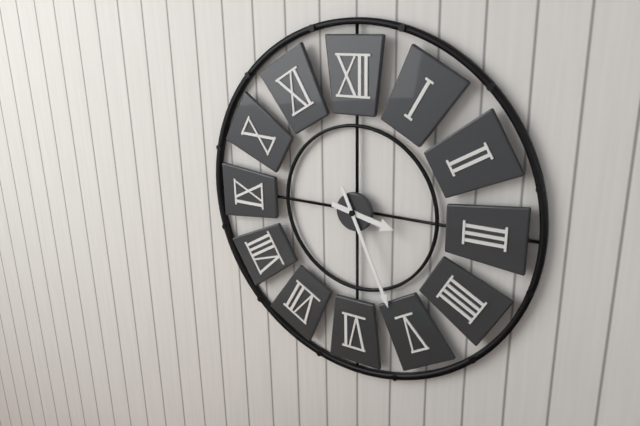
3:26
